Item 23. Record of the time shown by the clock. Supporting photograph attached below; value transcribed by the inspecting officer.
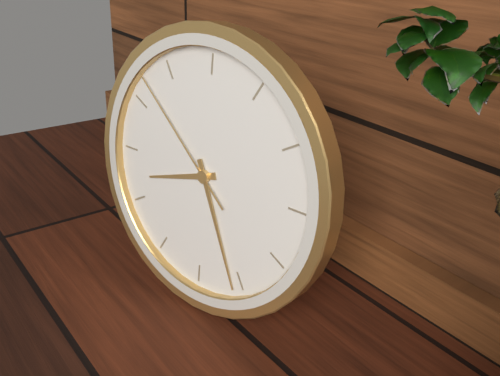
8:26:52
